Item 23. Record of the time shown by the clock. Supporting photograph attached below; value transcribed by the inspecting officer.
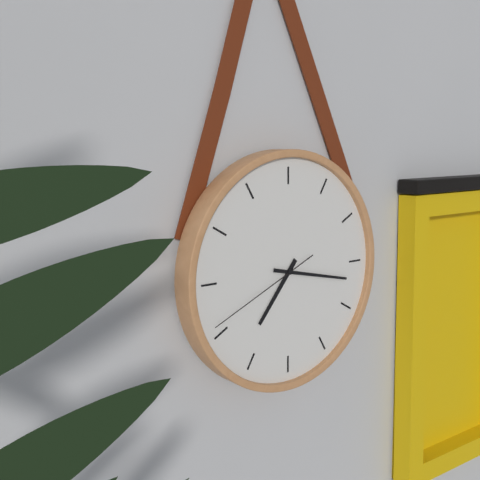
7:17:41
